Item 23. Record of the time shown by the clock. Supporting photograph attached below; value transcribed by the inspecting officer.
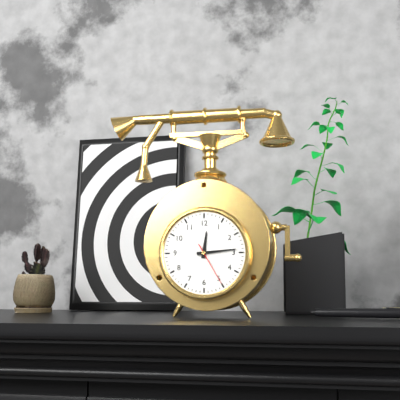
12:14
